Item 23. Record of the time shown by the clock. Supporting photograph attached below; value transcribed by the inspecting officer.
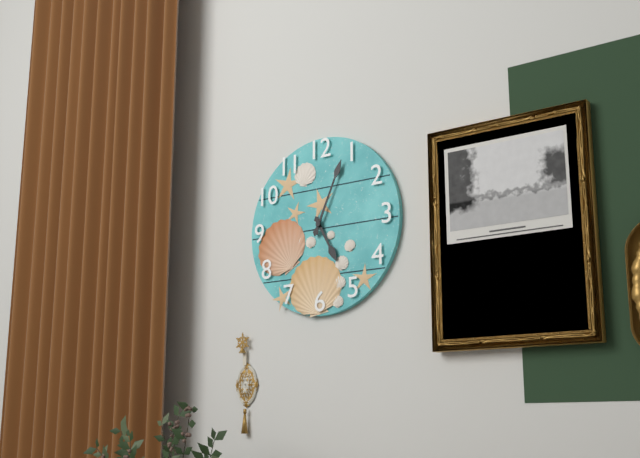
5:04
